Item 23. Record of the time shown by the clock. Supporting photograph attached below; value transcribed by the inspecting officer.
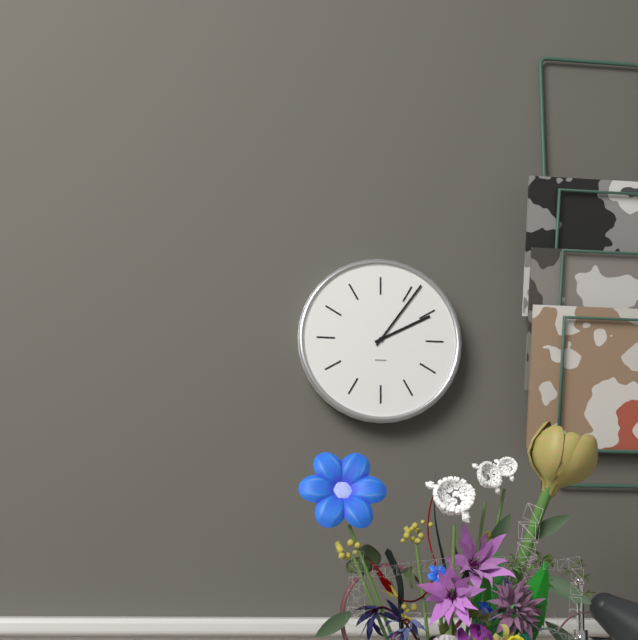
2:06
